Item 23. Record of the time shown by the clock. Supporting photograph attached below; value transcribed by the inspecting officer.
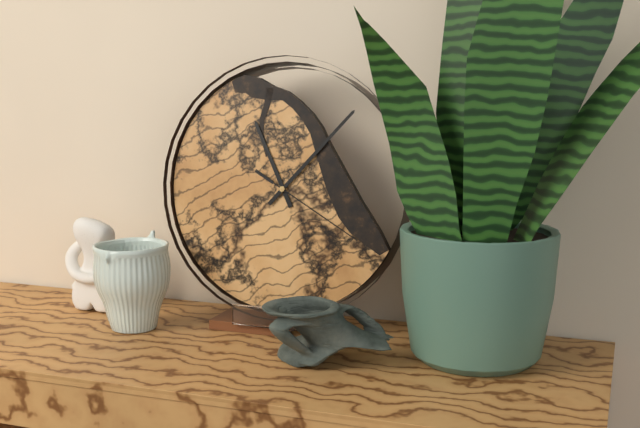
11:07:20
